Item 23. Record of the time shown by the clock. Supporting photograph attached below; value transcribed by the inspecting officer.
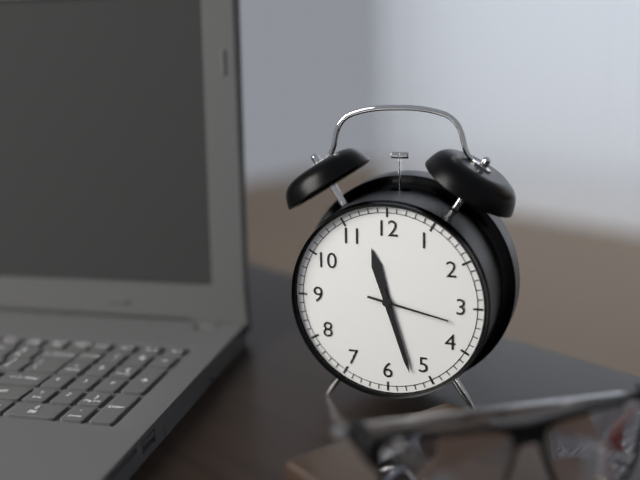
11:27:17
